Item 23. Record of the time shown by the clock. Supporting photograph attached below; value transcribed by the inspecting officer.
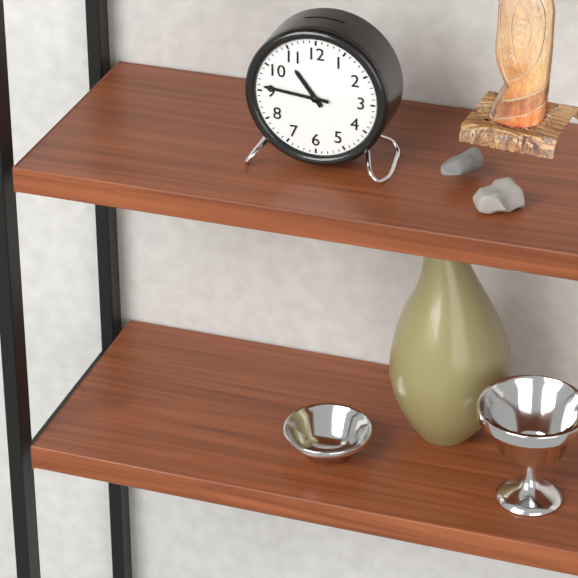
10:46
